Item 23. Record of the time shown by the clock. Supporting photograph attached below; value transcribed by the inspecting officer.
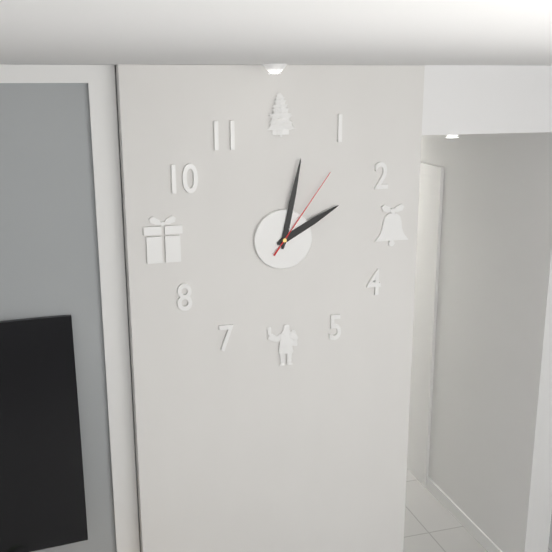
2:02:06
